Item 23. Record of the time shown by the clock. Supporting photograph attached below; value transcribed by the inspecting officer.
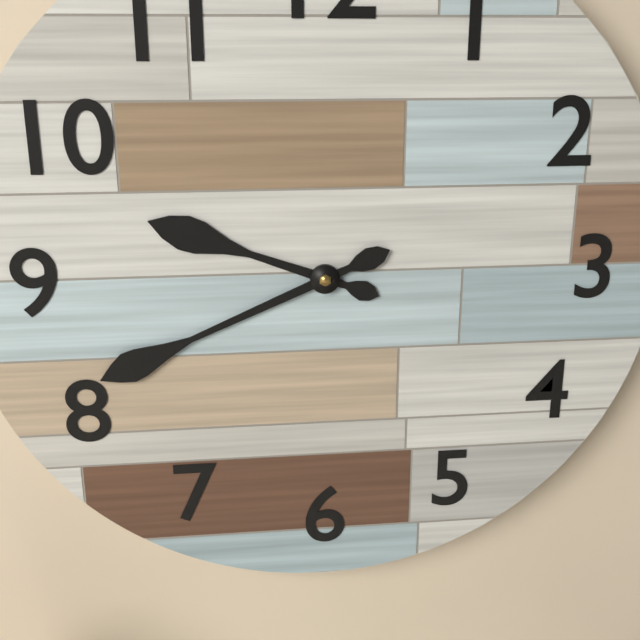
9:41
